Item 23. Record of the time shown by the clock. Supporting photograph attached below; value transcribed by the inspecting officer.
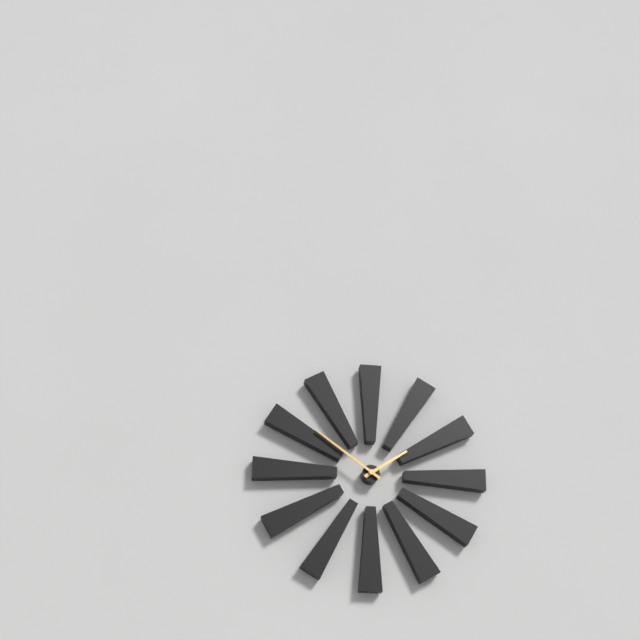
1:51
